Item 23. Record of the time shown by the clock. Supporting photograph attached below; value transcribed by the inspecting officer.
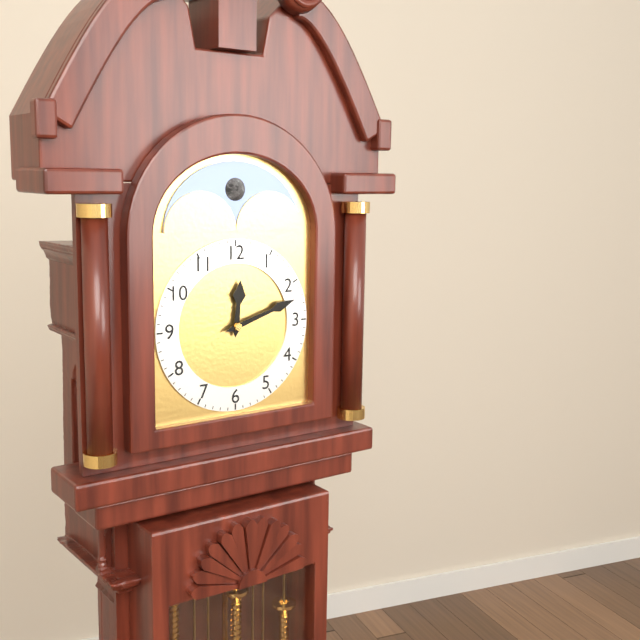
12:12
